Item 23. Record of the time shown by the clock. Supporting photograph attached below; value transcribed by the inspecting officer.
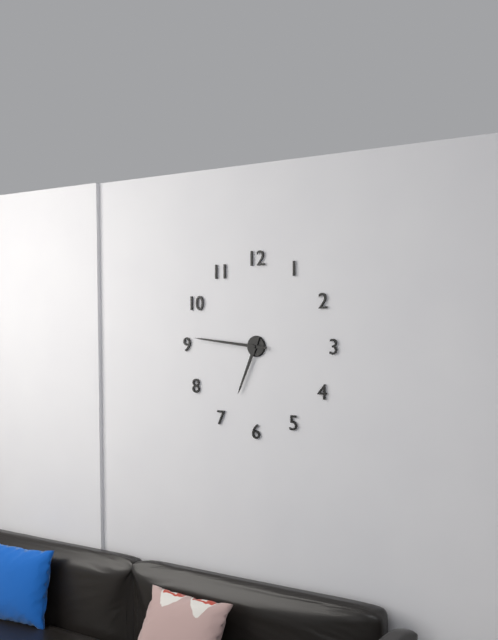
6:46
